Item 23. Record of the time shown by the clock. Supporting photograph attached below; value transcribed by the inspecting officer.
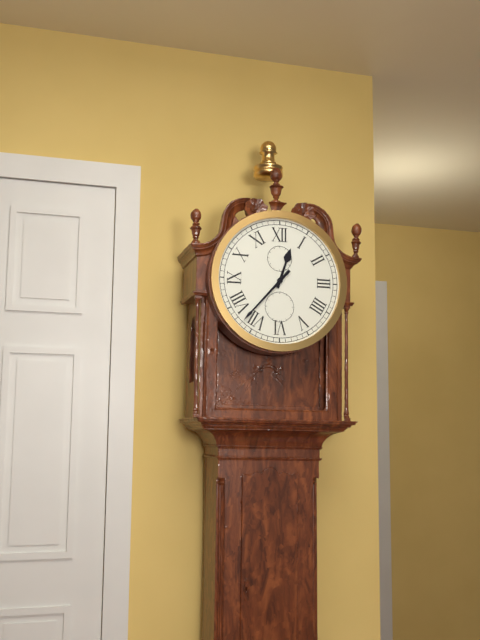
12:37
